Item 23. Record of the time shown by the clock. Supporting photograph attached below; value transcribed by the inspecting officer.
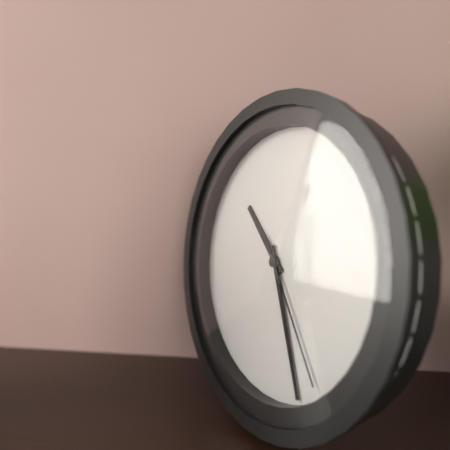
10:26:24
